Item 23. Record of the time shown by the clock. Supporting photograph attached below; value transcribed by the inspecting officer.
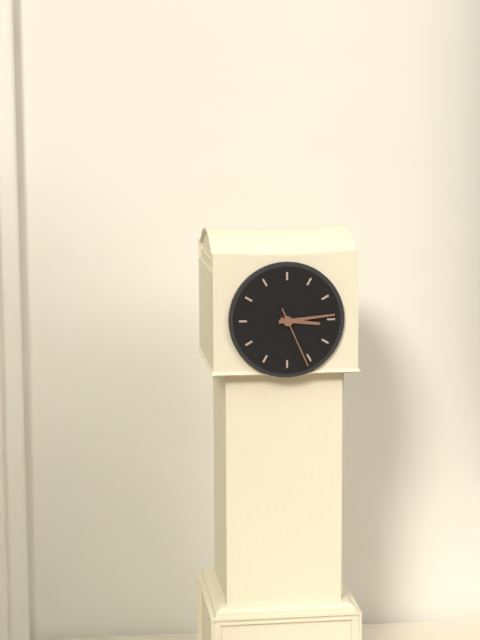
3:14:26
